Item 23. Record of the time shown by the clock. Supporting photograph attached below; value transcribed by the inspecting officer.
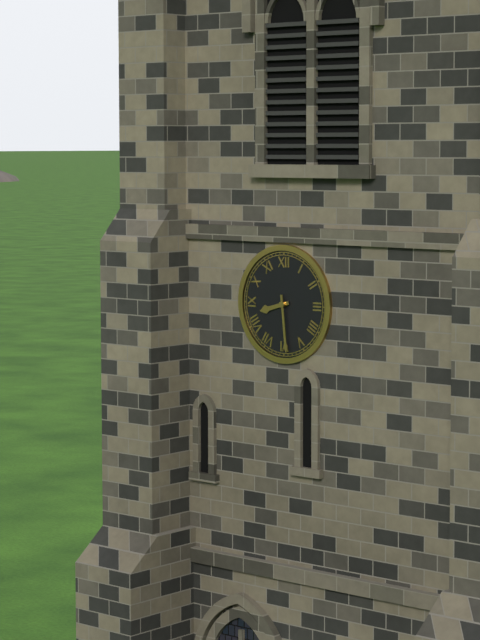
8:29
